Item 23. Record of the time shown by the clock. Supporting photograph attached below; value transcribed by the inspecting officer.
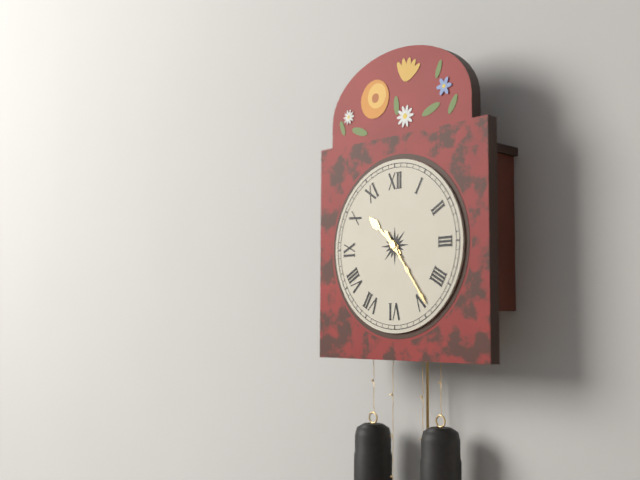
10:24
